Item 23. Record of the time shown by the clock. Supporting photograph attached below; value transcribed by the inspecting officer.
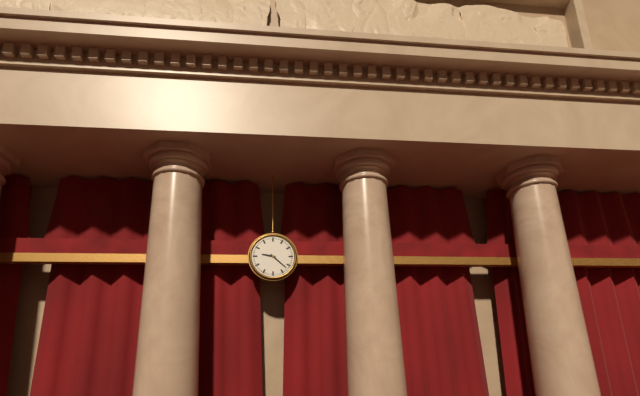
9:22
